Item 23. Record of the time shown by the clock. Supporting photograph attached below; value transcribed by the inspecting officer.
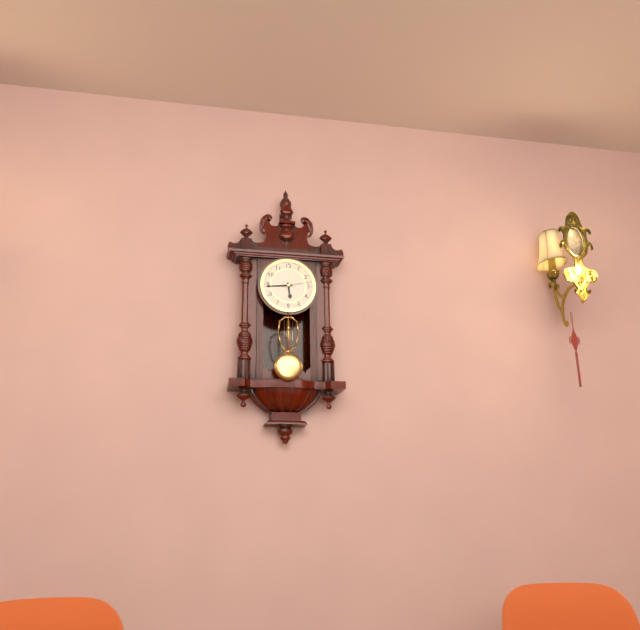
5:44
